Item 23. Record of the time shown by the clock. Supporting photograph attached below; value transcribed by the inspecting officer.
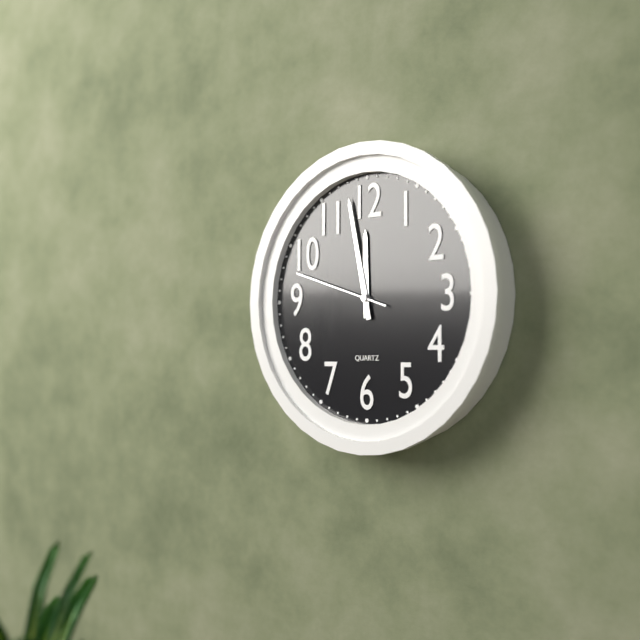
11:58:48
